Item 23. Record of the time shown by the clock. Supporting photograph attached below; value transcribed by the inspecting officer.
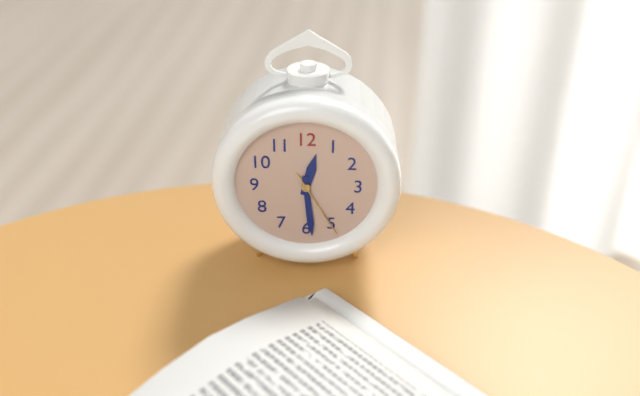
12:29:25
